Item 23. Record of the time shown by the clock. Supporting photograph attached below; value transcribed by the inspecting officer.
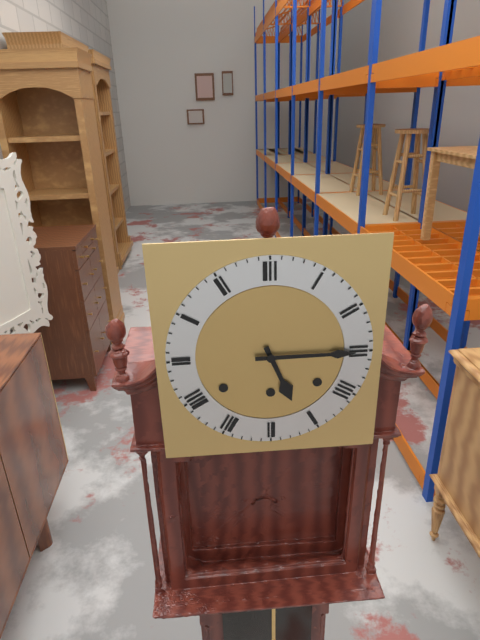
5:15
